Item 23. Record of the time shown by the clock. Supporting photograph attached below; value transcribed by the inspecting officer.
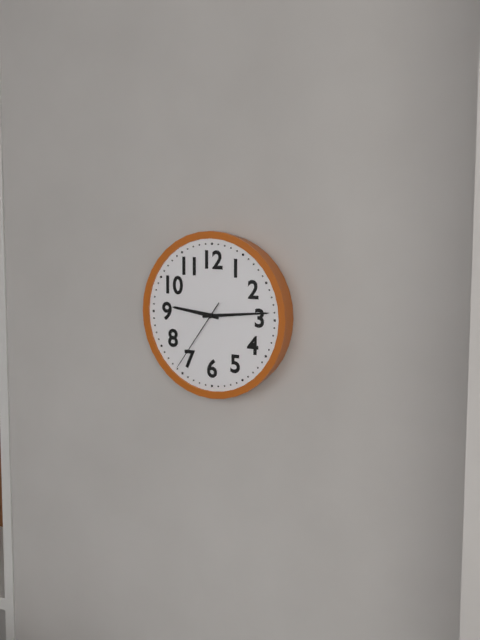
9:14:36
